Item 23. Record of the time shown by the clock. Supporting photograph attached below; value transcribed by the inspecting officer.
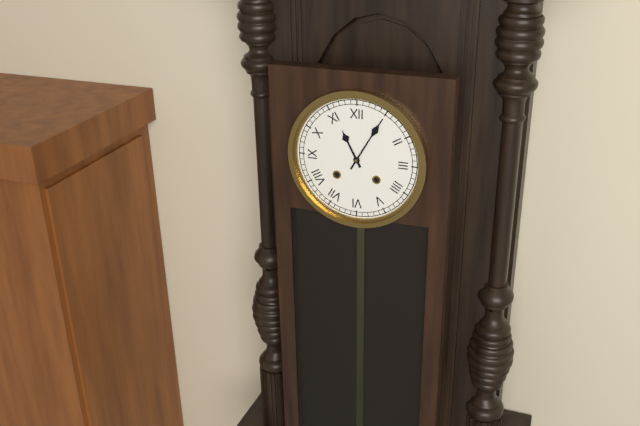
11:05
